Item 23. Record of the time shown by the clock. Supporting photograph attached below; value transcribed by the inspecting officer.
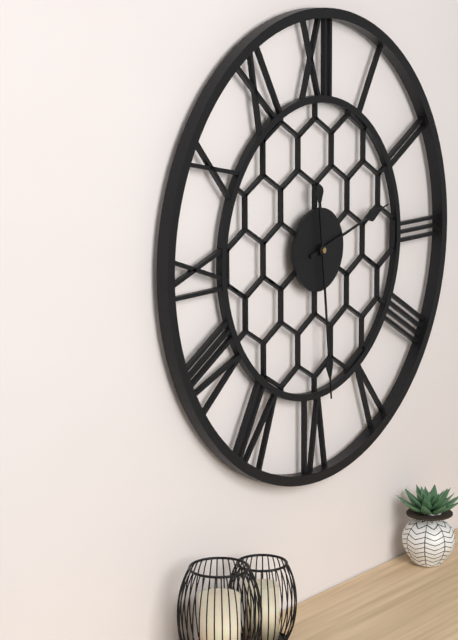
2:29
